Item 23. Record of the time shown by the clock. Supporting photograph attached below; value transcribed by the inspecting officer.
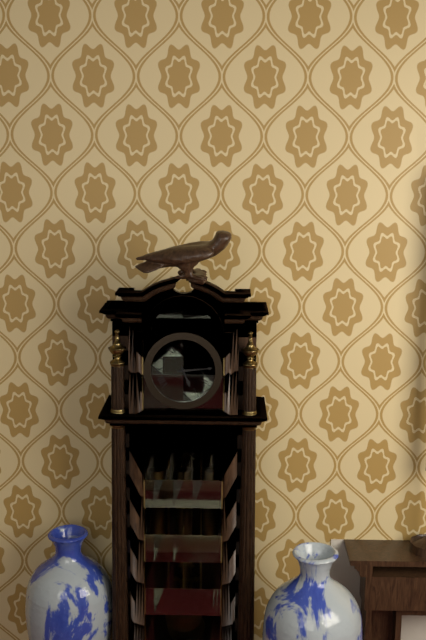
5:14
